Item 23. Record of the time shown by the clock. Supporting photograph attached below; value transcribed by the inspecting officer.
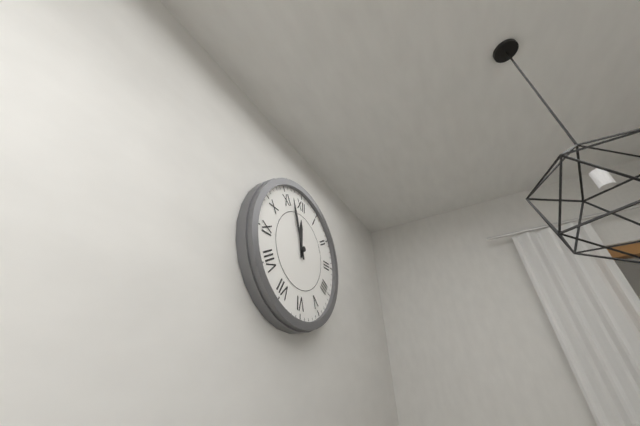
11:57
